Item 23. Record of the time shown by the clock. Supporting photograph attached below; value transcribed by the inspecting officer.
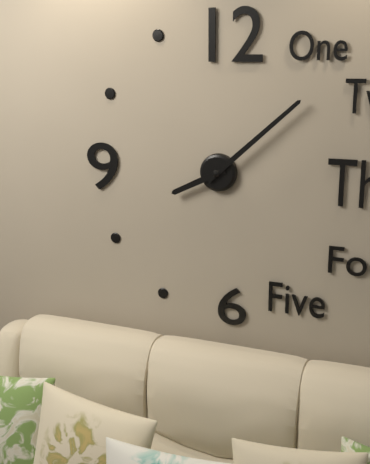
8:08
